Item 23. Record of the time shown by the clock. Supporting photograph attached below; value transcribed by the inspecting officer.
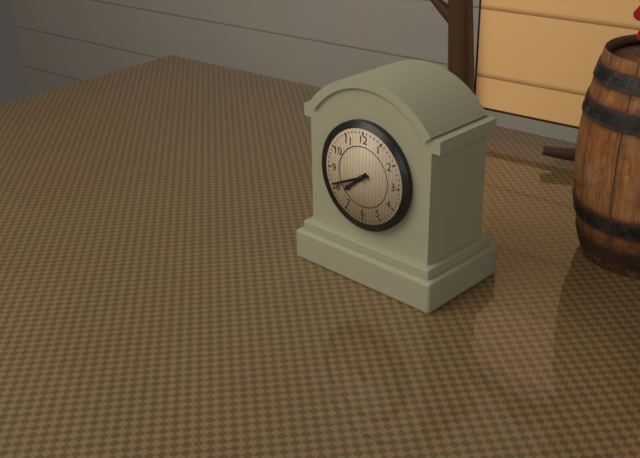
7:41
